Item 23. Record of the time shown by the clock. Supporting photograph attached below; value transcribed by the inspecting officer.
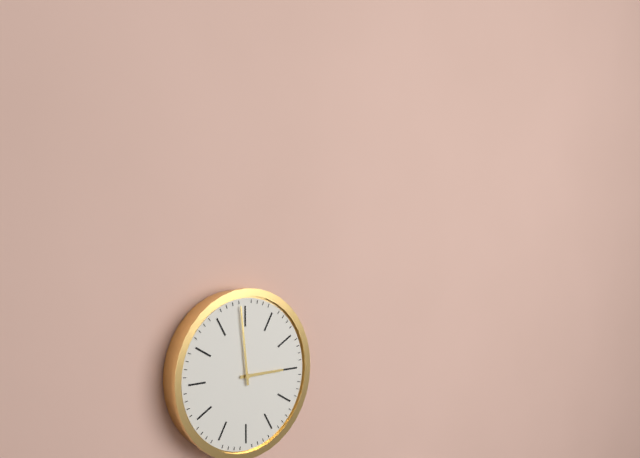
2:59
